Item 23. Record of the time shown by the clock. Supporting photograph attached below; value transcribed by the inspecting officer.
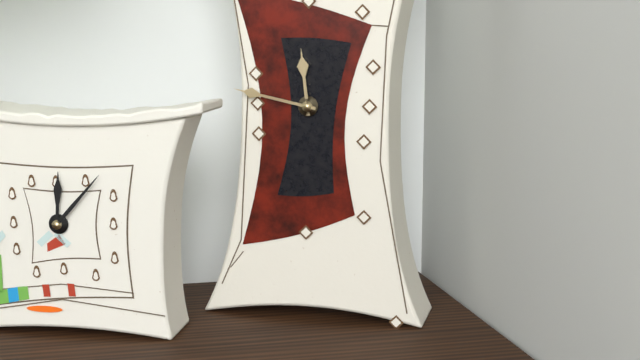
11:47
